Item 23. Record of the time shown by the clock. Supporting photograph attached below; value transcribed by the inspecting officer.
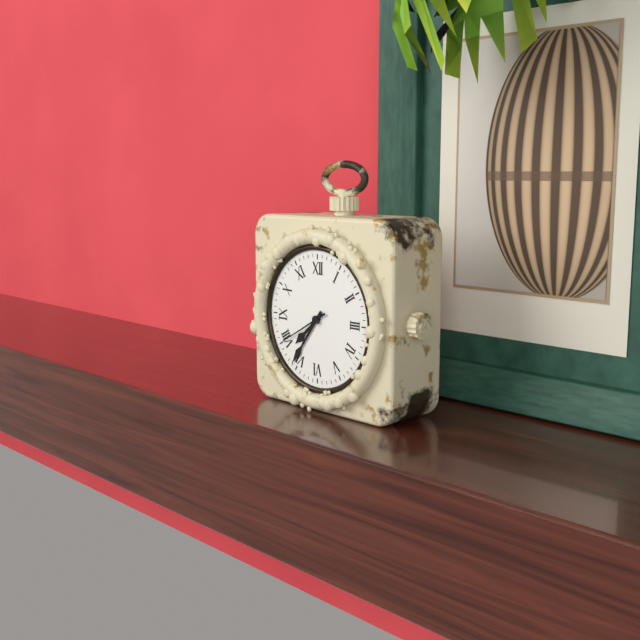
7:36:40
